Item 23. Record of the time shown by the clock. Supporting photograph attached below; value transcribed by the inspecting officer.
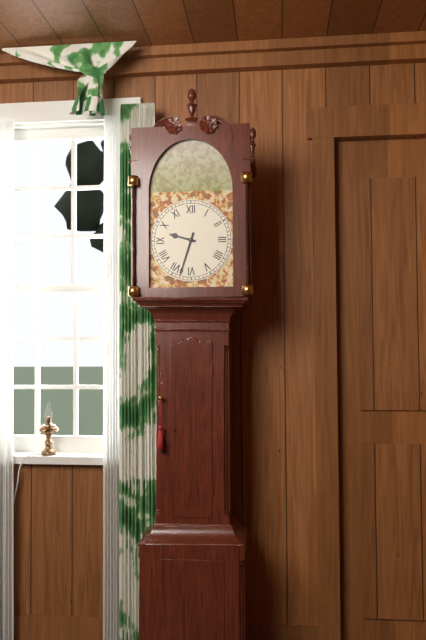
9:33
